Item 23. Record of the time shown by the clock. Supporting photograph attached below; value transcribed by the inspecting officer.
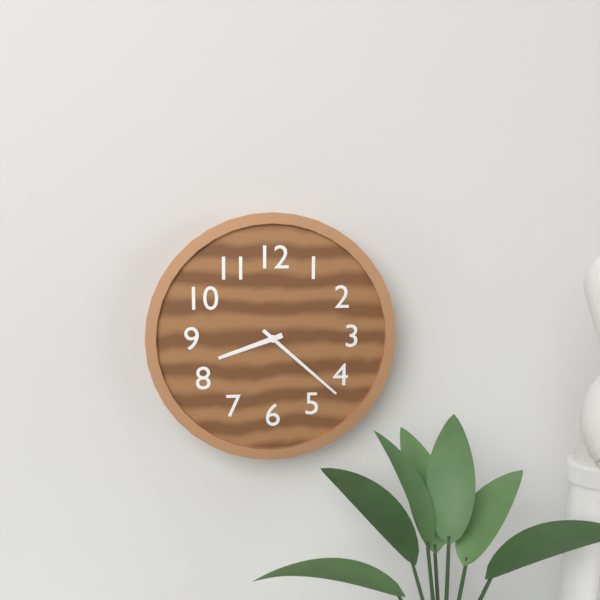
8:22
